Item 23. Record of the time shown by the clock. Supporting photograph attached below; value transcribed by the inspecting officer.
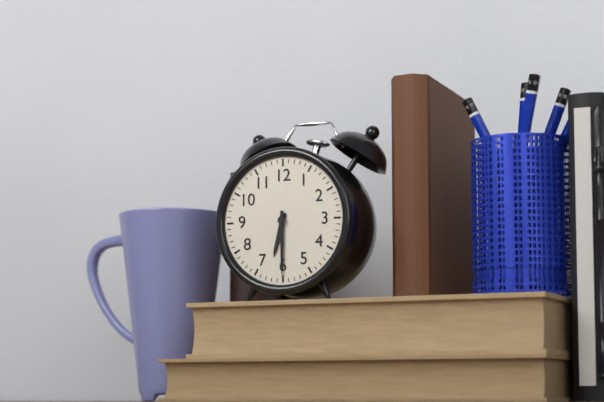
6:30
